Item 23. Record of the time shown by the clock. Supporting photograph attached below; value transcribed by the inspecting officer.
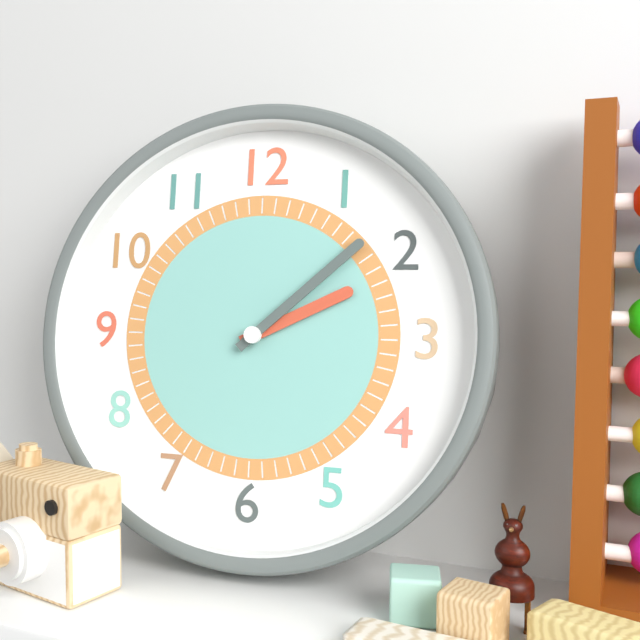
2:08
